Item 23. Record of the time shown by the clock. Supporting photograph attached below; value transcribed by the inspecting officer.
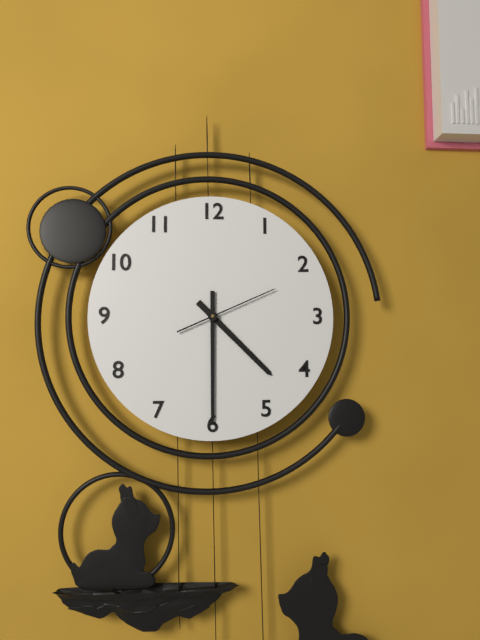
4:30:11
